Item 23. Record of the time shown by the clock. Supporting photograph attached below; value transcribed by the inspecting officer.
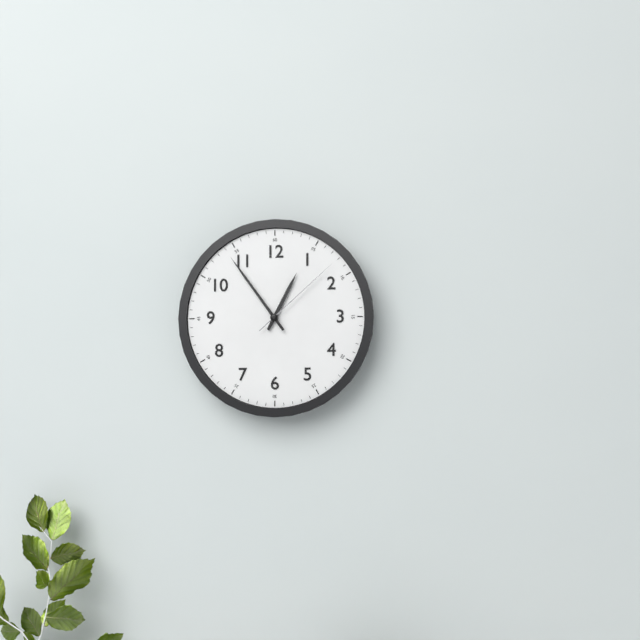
12:54:08
